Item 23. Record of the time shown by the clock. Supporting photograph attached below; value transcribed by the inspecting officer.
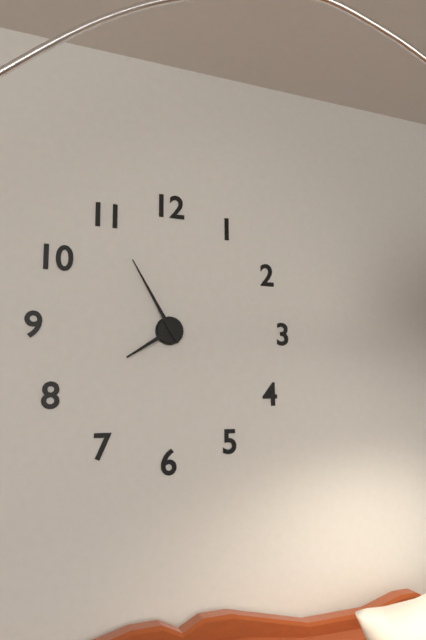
7:55
